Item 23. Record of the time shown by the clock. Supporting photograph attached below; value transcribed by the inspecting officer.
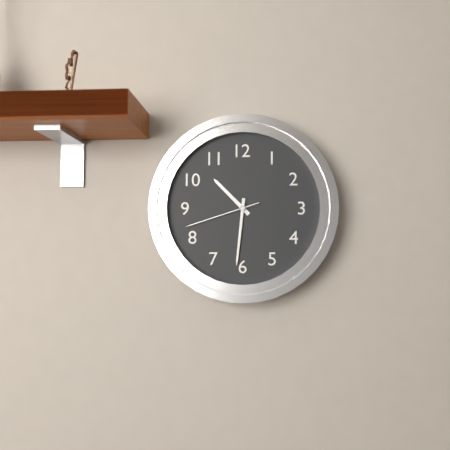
10:31:42
